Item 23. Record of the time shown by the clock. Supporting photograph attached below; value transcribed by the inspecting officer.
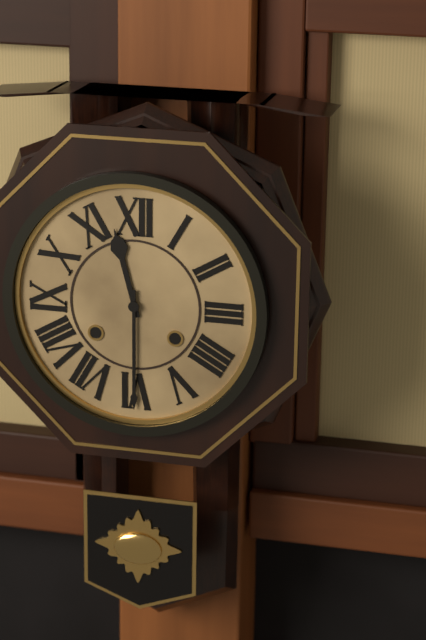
11:30
